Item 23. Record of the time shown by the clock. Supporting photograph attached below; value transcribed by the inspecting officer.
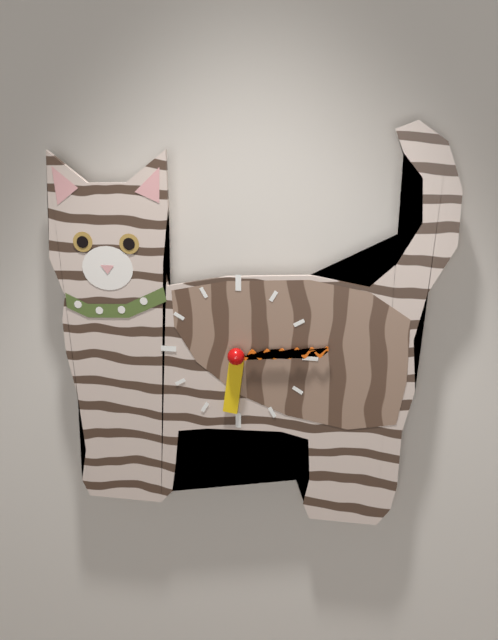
6:14
